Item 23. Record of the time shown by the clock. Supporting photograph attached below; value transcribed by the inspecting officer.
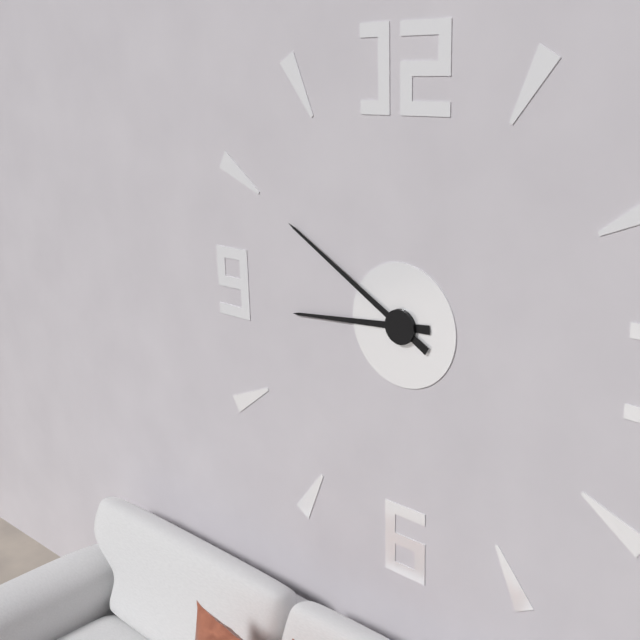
8:50
